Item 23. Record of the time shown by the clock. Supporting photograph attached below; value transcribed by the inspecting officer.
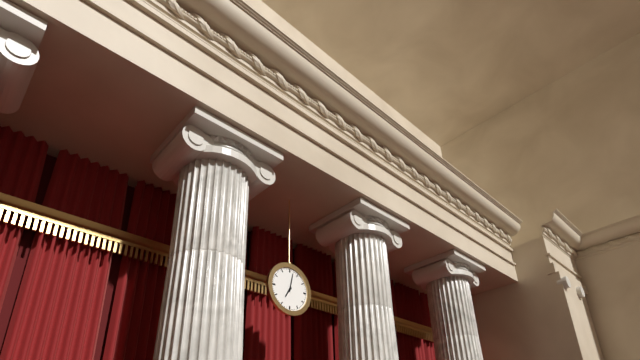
7:02
